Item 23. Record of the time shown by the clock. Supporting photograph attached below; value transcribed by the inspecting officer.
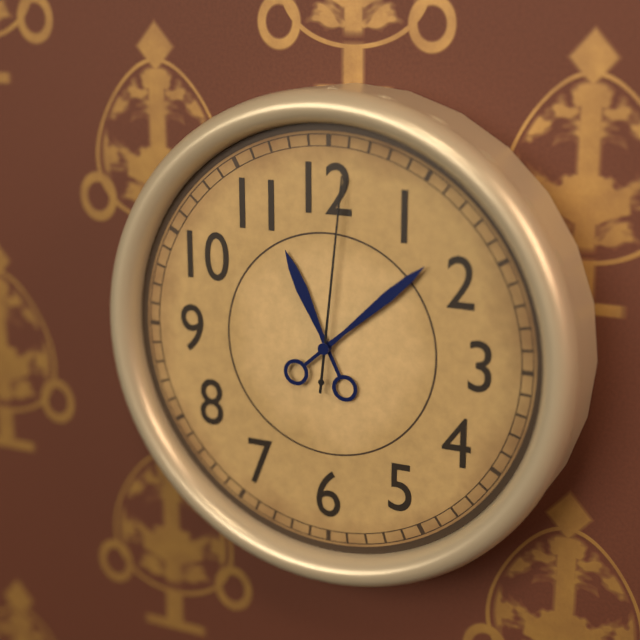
11:08:01
